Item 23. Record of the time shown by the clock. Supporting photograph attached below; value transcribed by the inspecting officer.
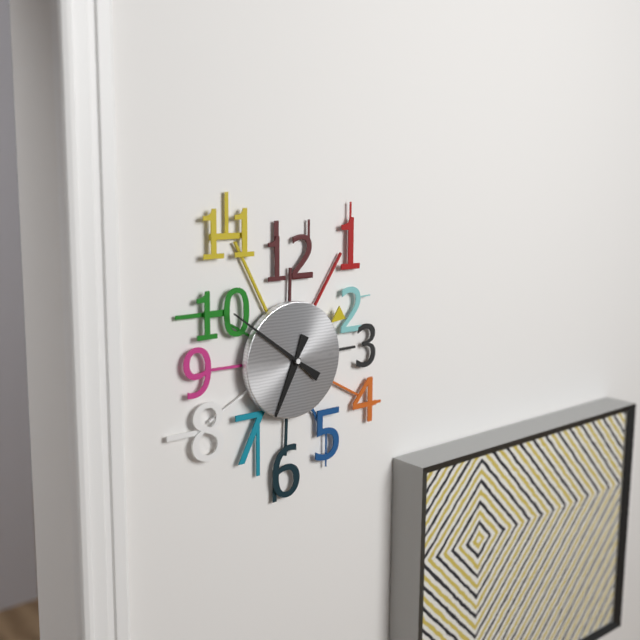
6:51
